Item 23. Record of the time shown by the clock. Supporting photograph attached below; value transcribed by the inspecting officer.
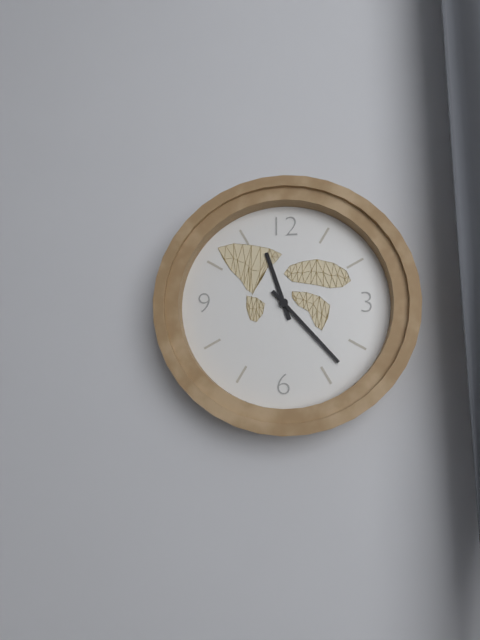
11:23
